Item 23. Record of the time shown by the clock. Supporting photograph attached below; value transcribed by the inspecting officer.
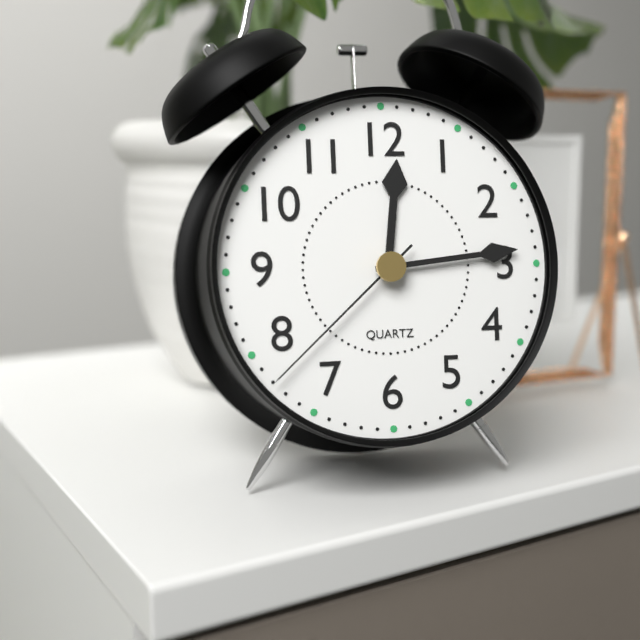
12:14:38
